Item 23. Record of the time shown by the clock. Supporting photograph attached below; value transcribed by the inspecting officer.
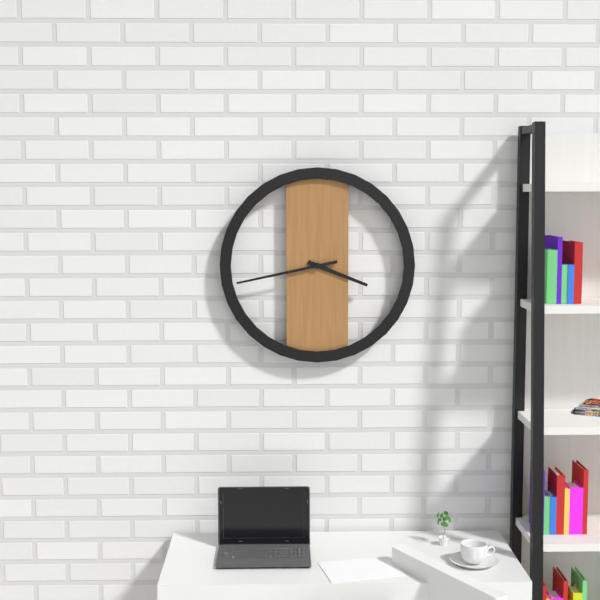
3:43
